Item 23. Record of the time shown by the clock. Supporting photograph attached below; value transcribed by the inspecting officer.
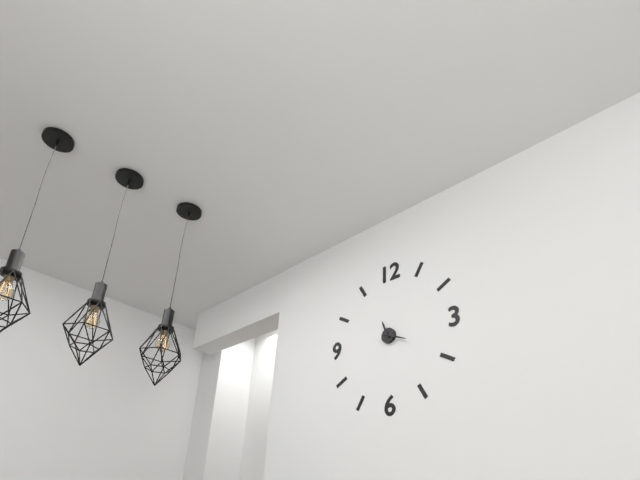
11:19
